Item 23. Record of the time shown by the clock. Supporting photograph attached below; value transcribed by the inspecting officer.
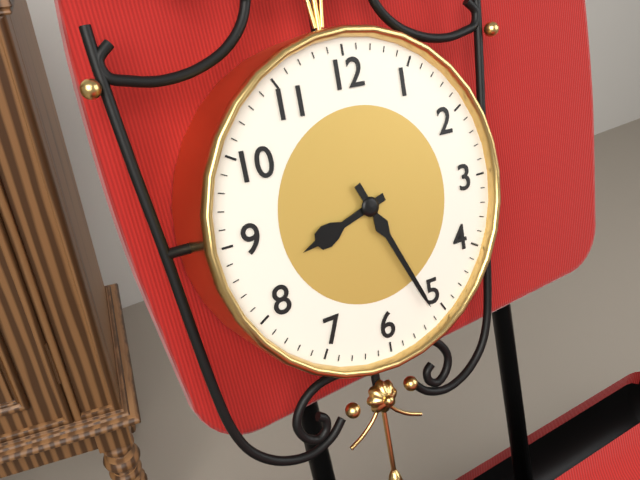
8:26
